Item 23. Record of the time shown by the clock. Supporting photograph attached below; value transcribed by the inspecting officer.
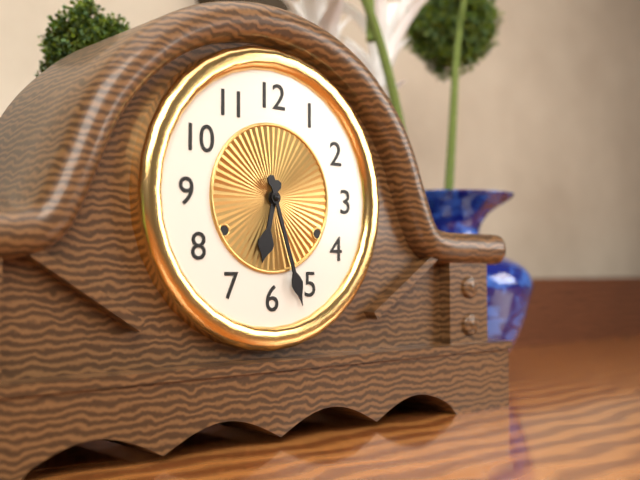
6:27
